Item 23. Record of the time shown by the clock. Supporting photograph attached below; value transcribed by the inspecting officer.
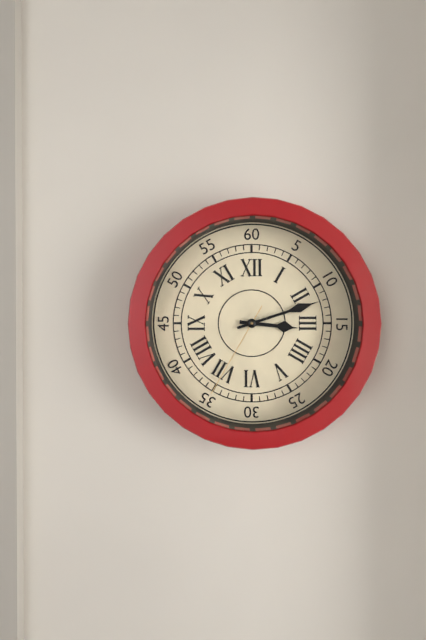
3:12:35
